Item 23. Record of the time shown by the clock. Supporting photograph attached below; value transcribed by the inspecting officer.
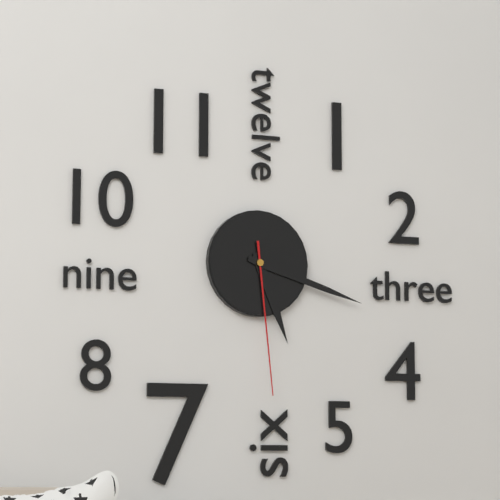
5:18:29
